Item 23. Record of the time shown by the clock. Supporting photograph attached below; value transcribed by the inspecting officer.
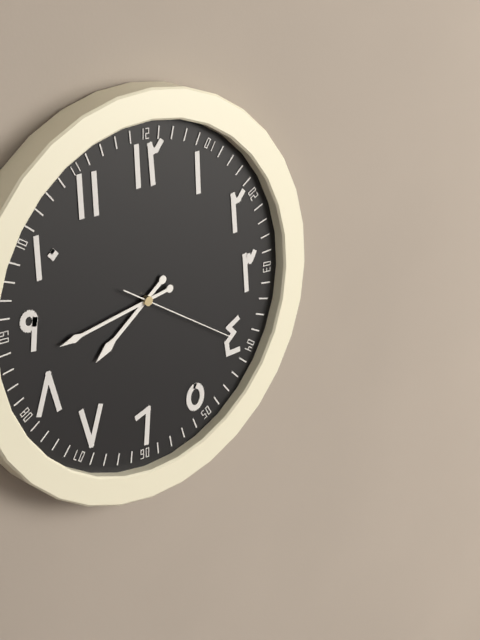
7:43:20
